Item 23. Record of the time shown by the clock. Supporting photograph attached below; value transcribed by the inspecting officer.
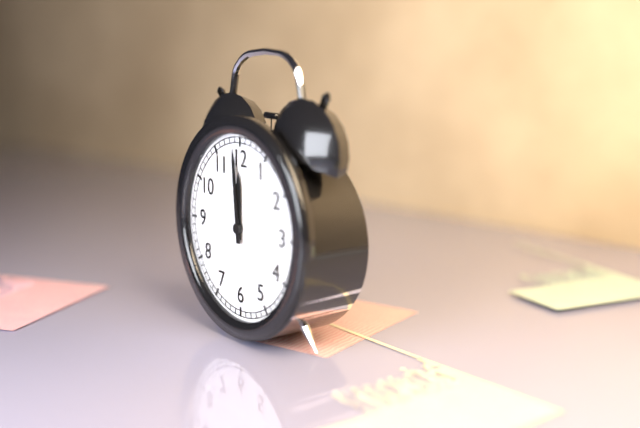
11:59
